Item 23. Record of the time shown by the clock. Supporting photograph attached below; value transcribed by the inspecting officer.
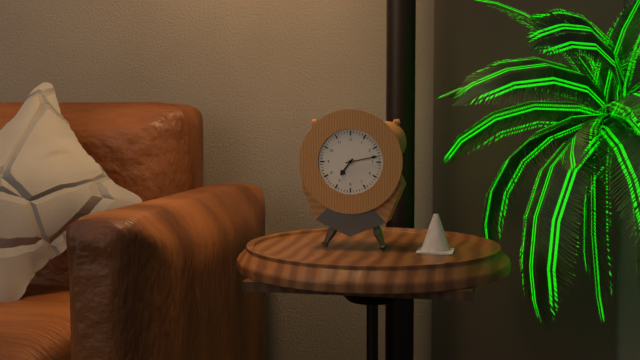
7:13
